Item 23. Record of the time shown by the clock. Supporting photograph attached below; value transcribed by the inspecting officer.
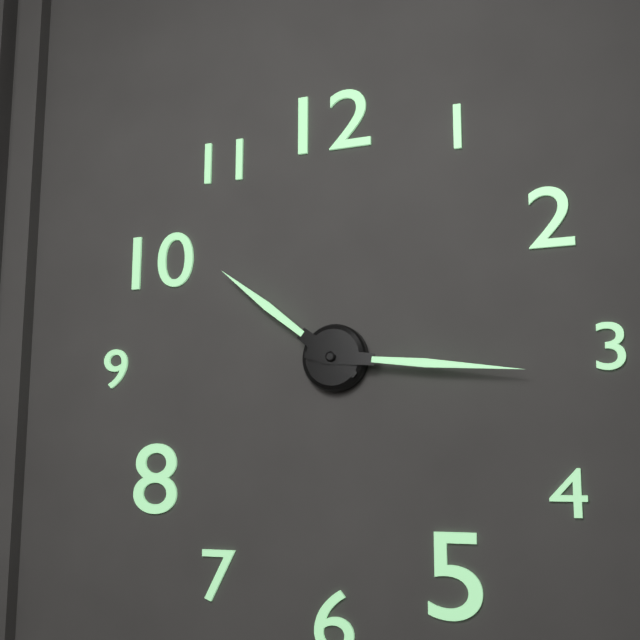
10:16
